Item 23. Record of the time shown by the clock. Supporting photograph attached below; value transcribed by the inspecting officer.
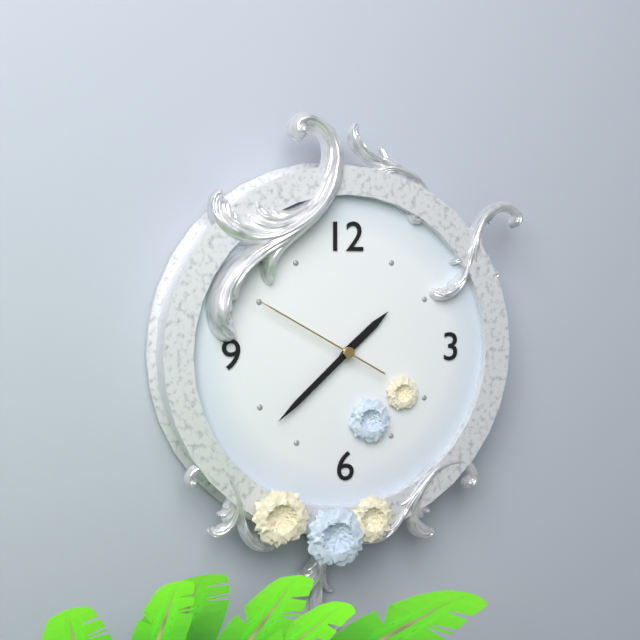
1:38:50
